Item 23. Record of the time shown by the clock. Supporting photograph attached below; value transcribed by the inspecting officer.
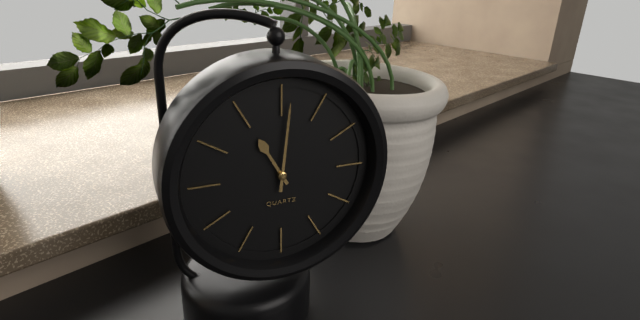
11:01
